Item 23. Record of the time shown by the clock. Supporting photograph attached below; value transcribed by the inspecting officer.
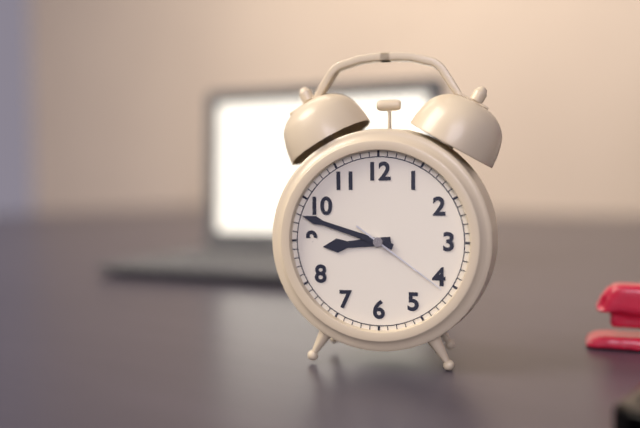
8:48:21
